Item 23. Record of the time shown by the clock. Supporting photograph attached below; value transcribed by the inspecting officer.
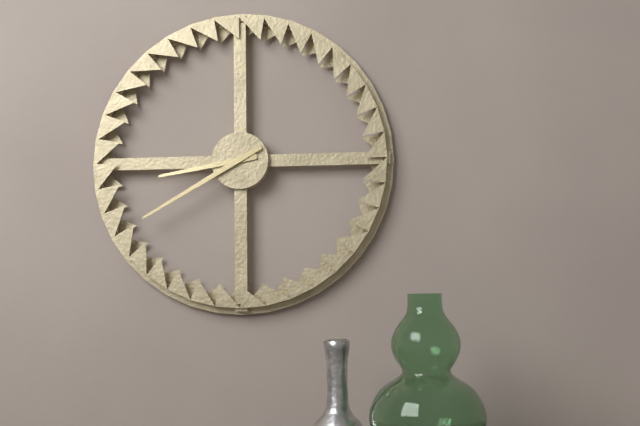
8:40
